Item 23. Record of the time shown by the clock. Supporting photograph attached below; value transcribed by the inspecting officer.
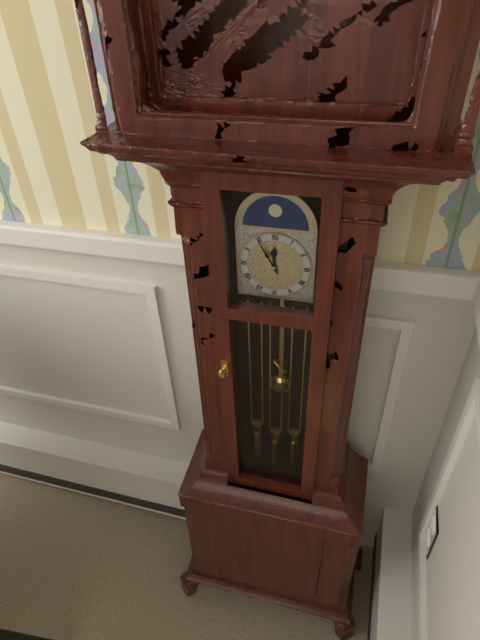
11:55
